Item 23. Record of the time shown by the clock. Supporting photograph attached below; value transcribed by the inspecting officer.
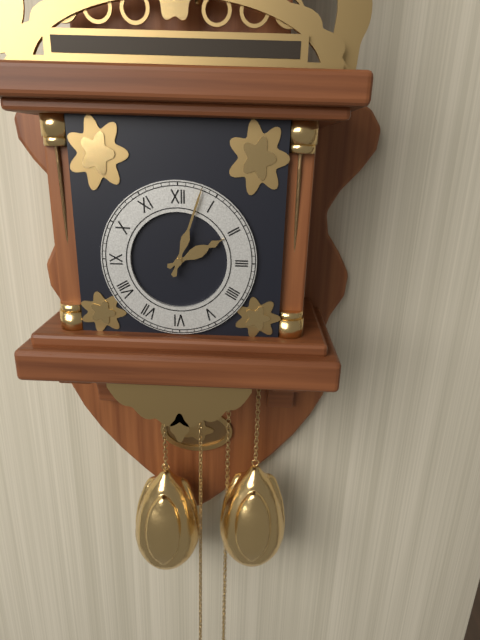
2:03
